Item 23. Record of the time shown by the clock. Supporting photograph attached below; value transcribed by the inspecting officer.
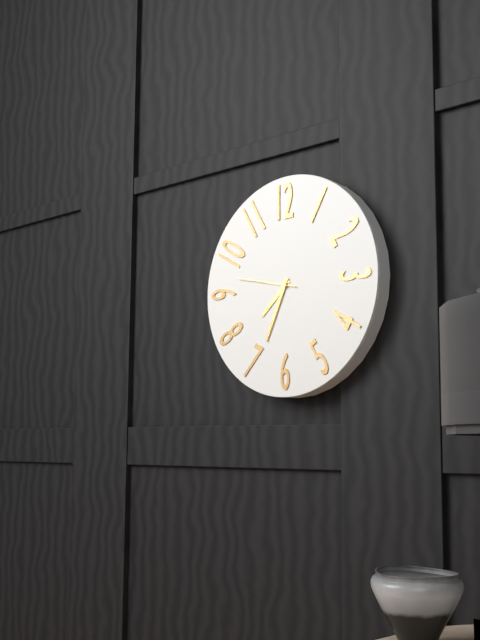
7:34:47
